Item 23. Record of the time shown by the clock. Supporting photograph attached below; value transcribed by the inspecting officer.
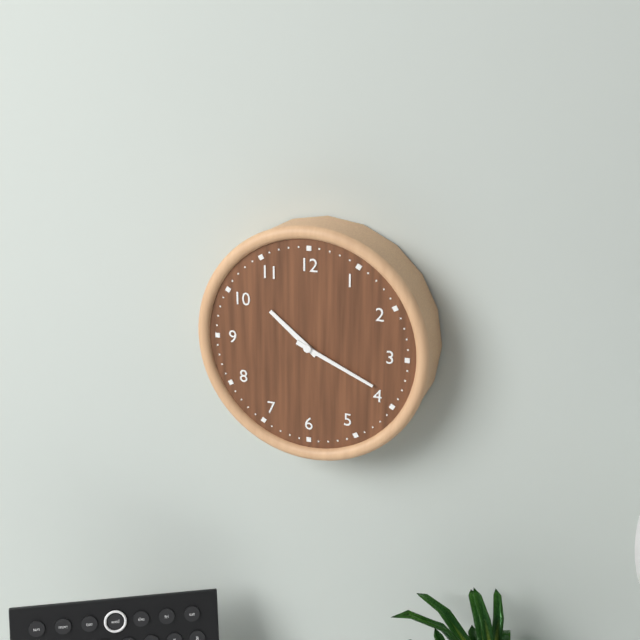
10:19
